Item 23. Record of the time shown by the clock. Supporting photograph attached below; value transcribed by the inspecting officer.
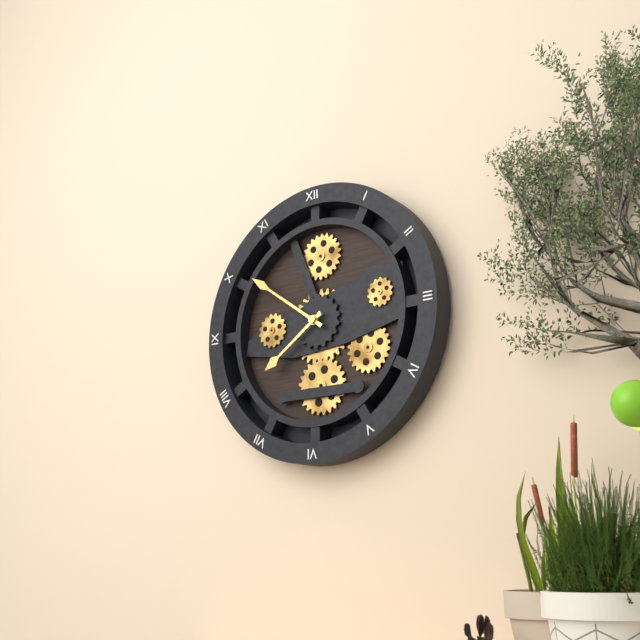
7:51
